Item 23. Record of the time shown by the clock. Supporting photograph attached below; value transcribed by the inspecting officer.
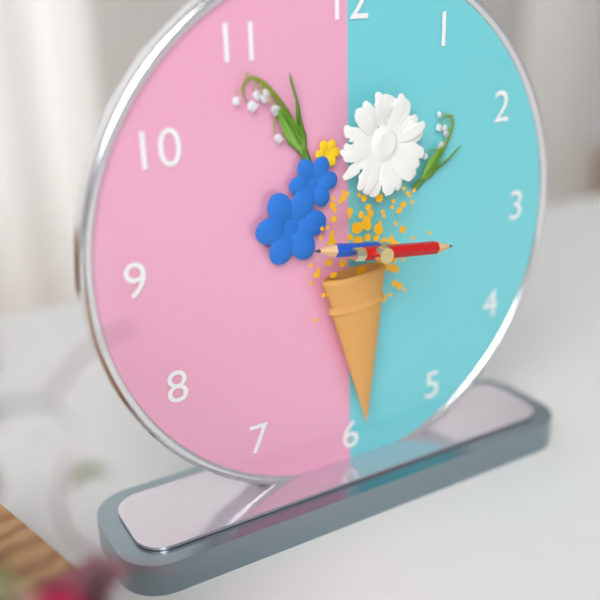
9:16
